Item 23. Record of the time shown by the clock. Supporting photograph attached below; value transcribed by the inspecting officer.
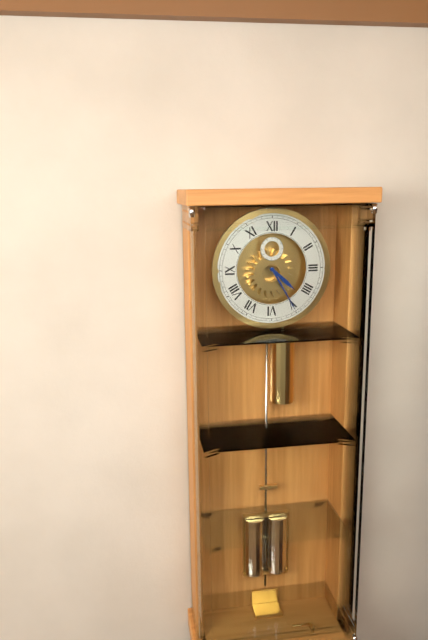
4:25
